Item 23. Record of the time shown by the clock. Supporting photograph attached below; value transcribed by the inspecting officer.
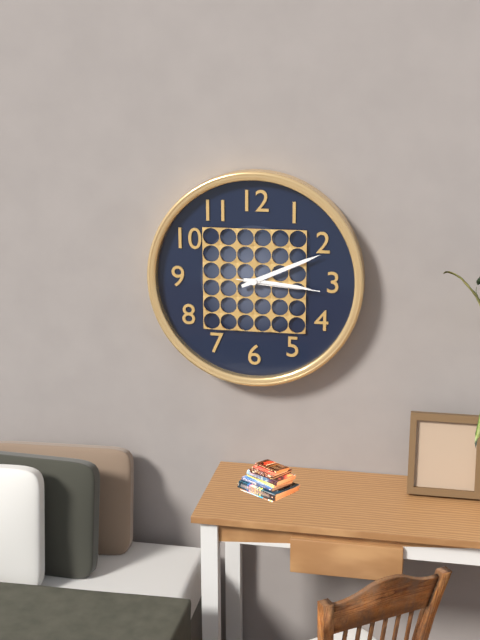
3:11:16
